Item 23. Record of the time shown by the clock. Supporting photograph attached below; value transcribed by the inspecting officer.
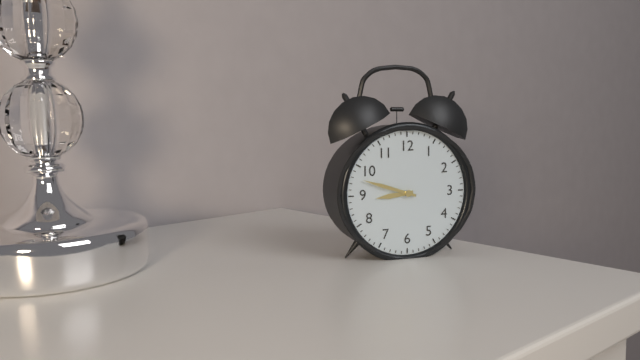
8:48
